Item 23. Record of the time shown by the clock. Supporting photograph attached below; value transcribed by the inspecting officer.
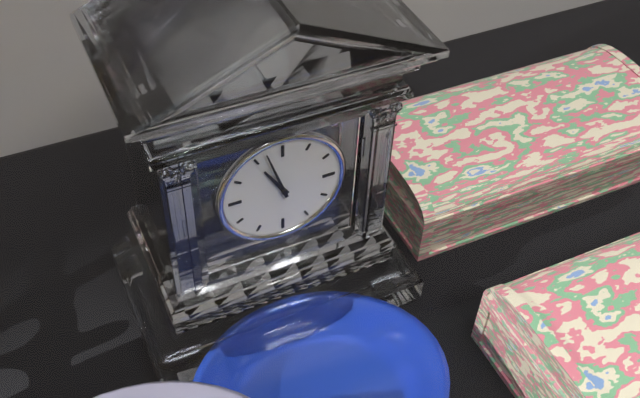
10:57
